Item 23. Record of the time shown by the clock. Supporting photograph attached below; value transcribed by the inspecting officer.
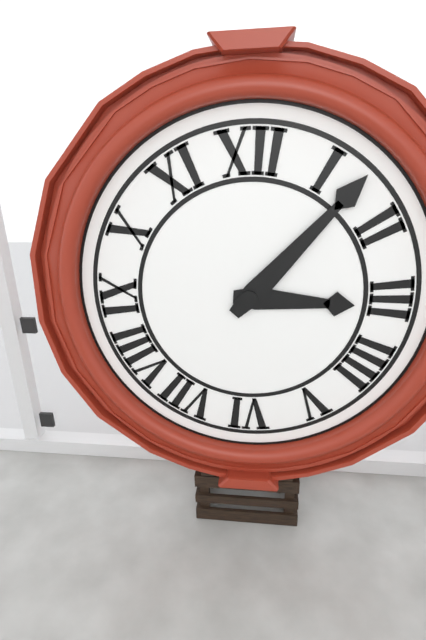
3:07
